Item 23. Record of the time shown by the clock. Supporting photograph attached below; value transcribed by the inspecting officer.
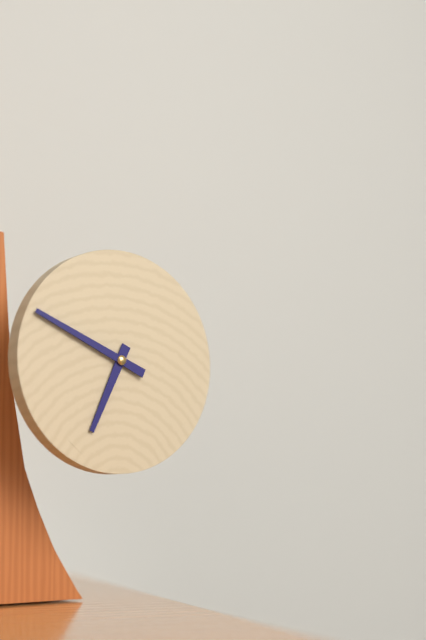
6:49
